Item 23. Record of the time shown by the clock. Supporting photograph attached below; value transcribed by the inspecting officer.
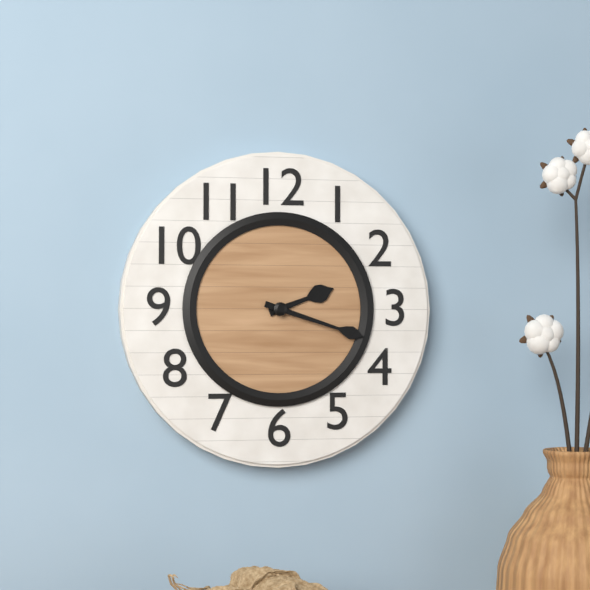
2:18
